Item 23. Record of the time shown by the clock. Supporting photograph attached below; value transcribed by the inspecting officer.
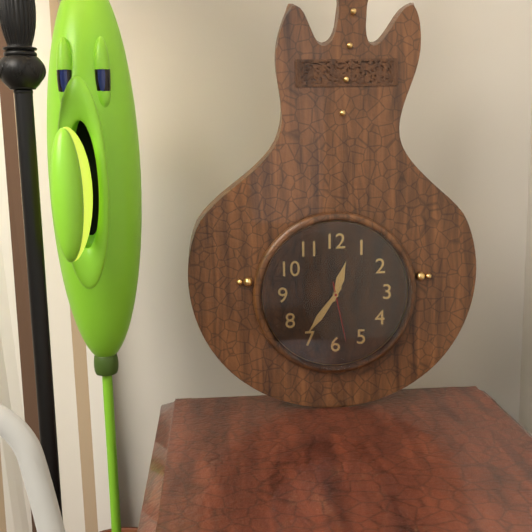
12:36:28
